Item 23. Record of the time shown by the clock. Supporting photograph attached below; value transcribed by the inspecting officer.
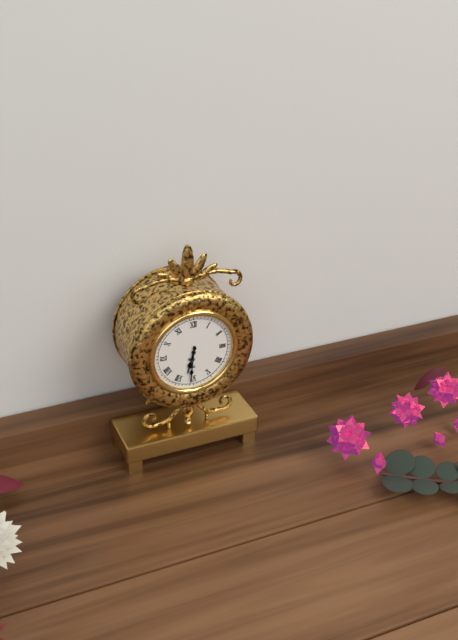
6:31
